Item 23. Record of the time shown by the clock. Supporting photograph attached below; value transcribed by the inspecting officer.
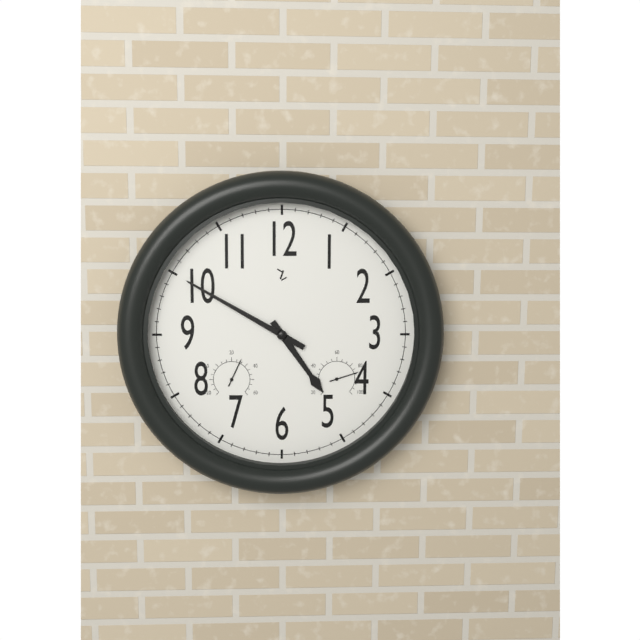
4:50
